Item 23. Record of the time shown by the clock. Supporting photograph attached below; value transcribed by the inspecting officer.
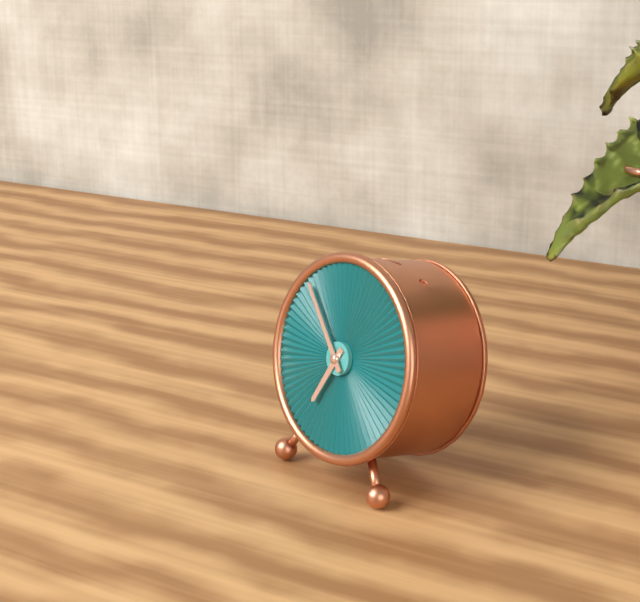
6:53
